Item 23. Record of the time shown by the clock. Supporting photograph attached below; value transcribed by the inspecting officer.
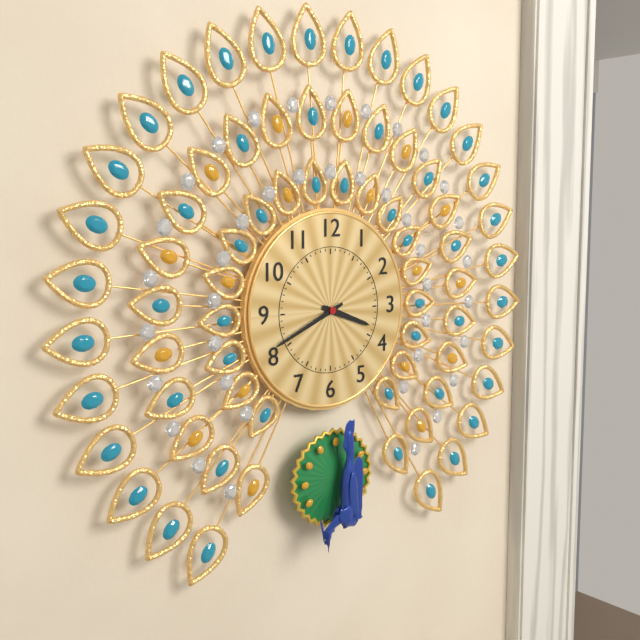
3:41
